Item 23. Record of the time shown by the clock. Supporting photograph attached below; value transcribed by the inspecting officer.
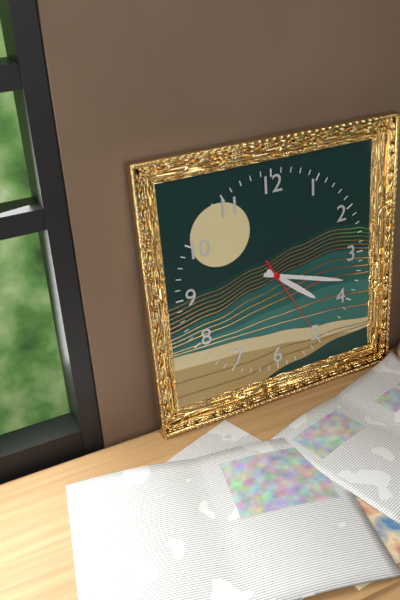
4:18:25
